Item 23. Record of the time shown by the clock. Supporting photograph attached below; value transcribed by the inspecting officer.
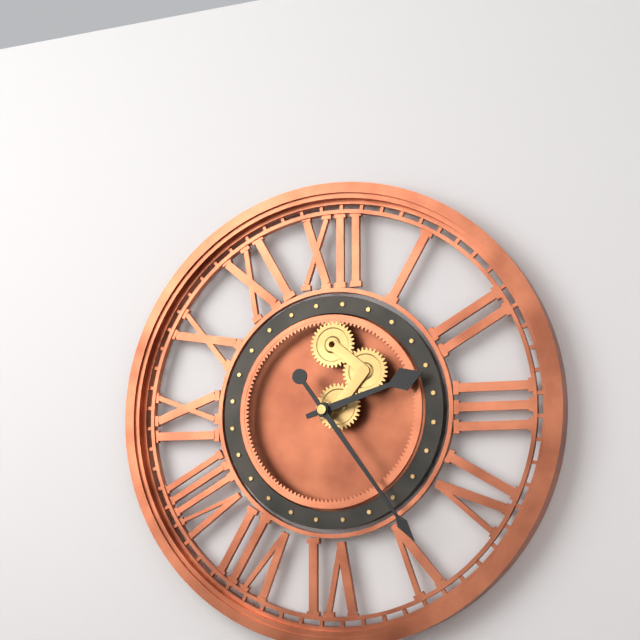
2:24
